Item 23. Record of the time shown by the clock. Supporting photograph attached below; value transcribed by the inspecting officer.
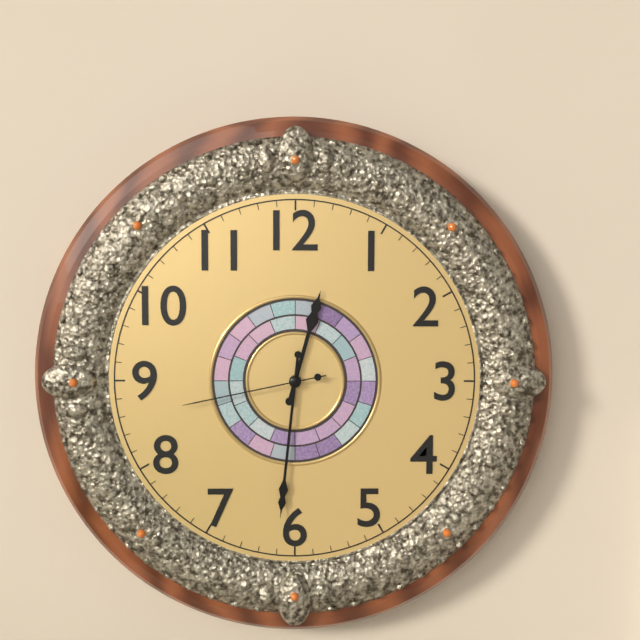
12:31:43
